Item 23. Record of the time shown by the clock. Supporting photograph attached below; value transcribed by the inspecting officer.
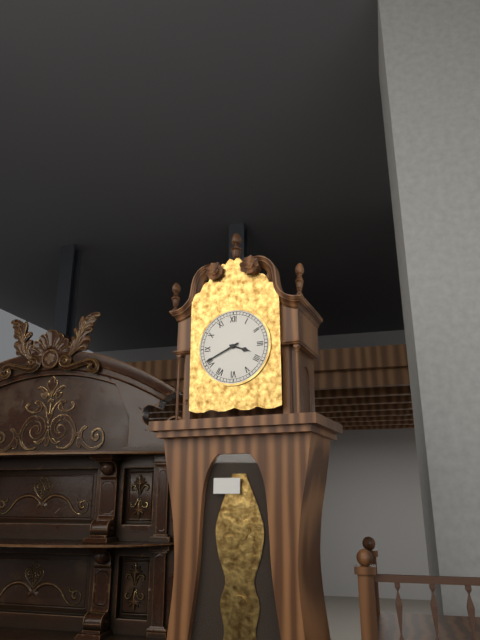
3:41
